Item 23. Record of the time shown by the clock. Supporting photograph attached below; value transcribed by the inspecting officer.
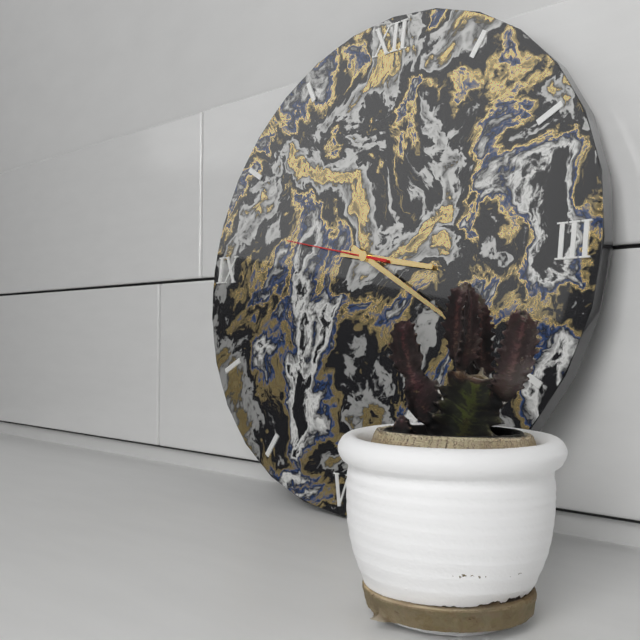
3:20:47
